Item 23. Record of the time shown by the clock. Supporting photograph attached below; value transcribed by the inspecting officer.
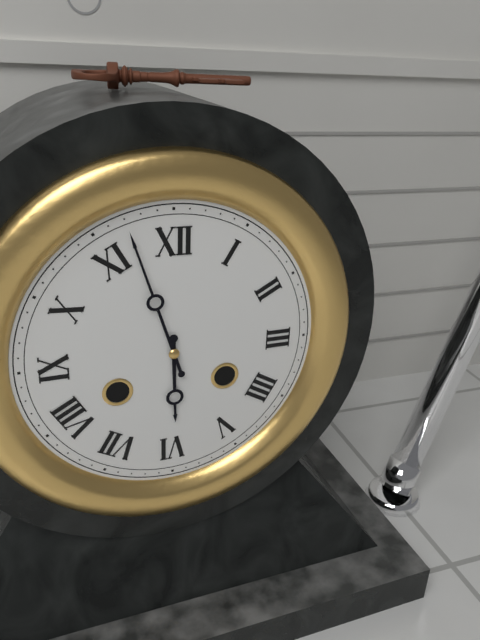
5:57
